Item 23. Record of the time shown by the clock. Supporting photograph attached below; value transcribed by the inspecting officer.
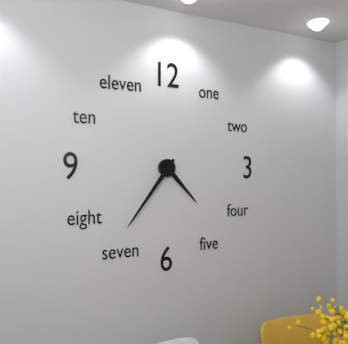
4:36
